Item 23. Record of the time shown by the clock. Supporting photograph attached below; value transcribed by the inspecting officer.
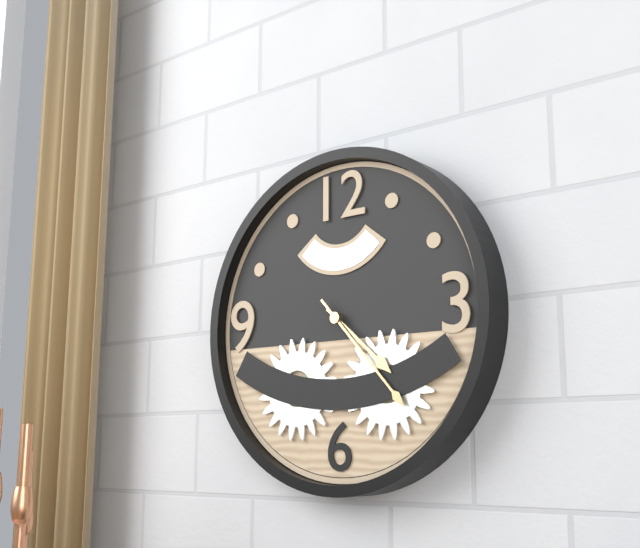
4:23
